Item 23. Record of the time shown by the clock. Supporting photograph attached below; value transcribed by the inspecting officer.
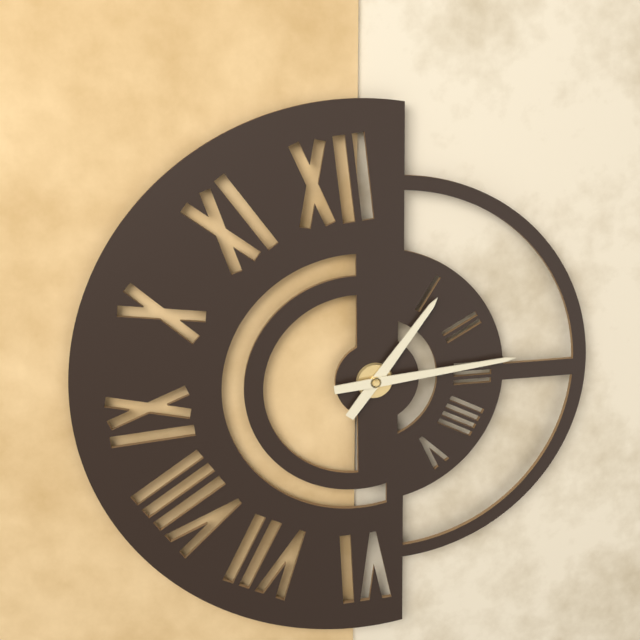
1:14
